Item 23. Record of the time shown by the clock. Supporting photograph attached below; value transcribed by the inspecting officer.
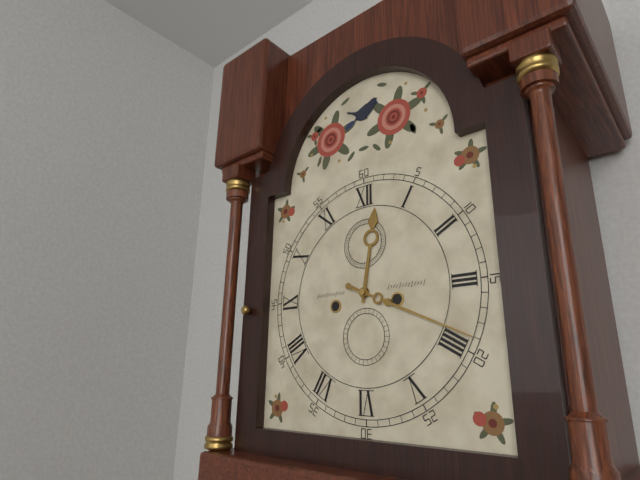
12:19
